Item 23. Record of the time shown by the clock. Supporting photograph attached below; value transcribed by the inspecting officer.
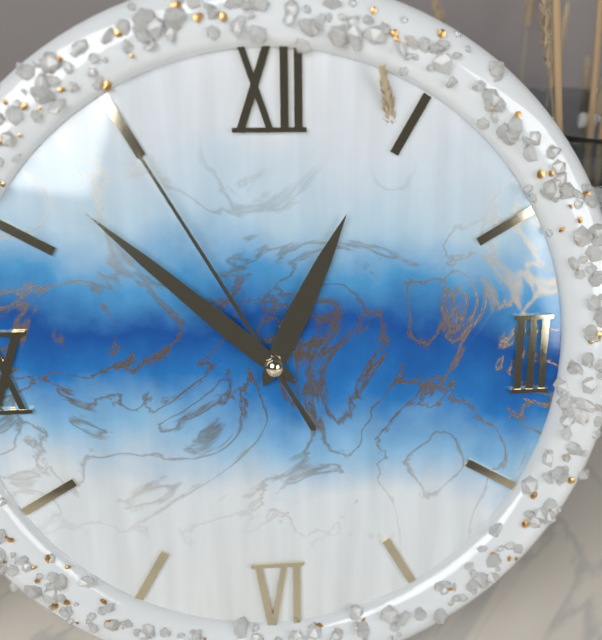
12:52:55
